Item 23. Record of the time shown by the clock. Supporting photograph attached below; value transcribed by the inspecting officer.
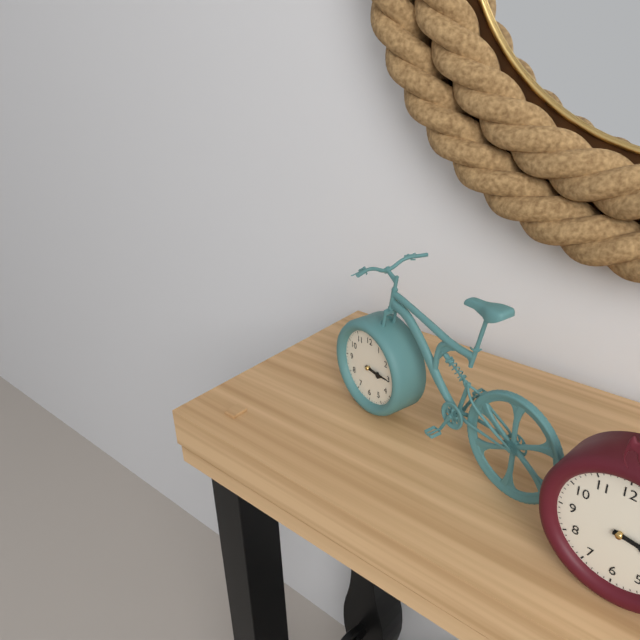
3:15
